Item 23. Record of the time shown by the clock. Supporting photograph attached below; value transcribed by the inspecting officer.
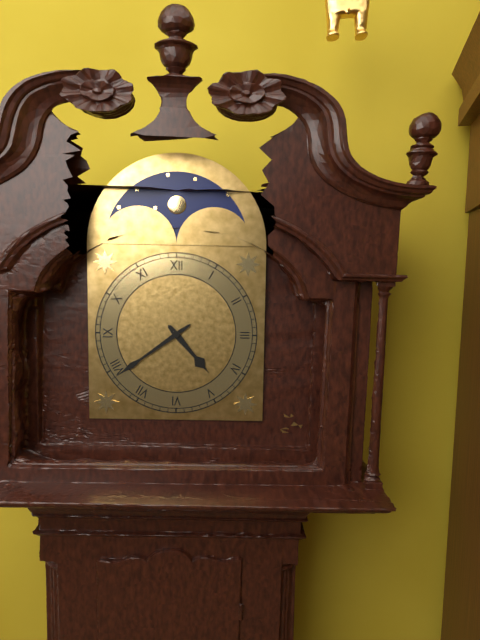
4:39
